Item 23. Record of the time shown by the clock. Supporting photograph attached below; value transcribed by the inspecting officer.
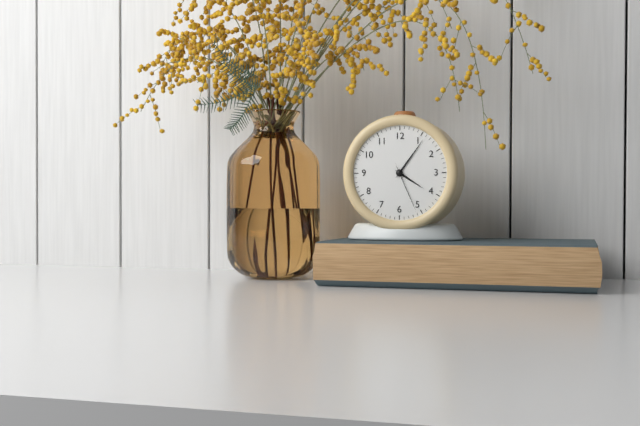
4:06:26
